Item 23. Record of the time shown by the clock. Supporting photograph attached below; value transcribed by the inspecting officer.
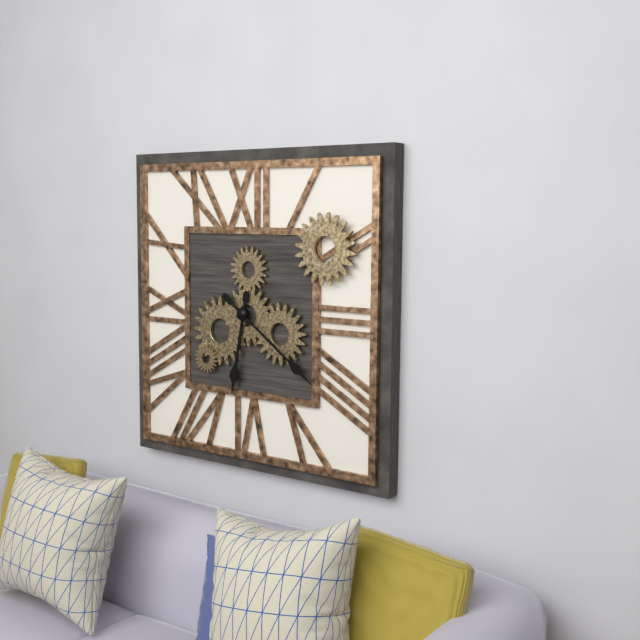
6:21
